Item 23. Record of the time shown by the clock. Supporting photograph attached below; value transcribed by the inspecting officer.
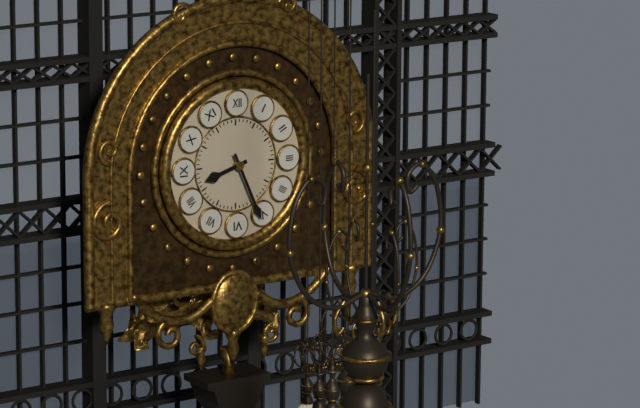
8:26
